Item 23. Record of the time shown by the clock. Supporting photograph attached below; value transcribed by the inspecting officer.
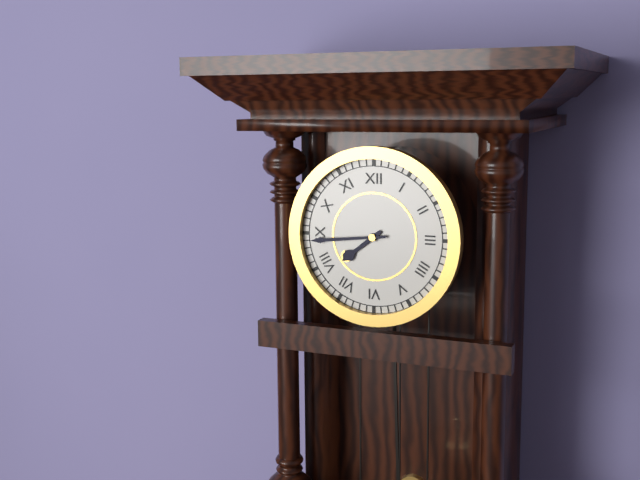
7:44
